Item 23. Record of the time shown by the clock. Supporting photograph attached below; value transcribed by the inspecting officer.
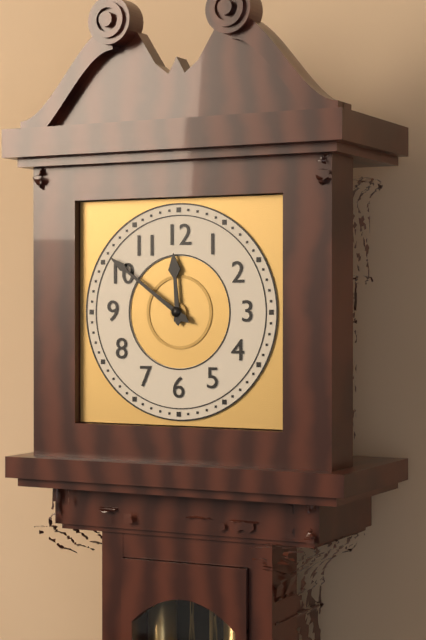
11:51
